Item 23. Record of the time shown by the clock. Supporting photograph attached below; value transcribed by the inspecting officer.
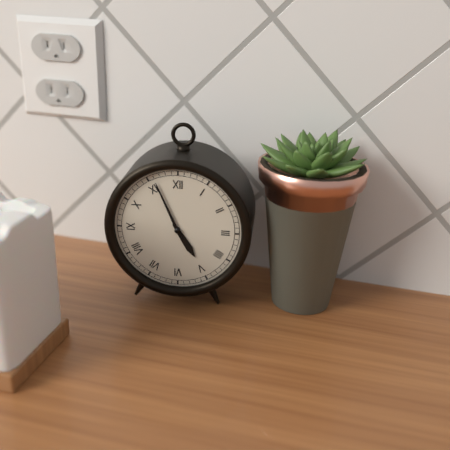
4:56
